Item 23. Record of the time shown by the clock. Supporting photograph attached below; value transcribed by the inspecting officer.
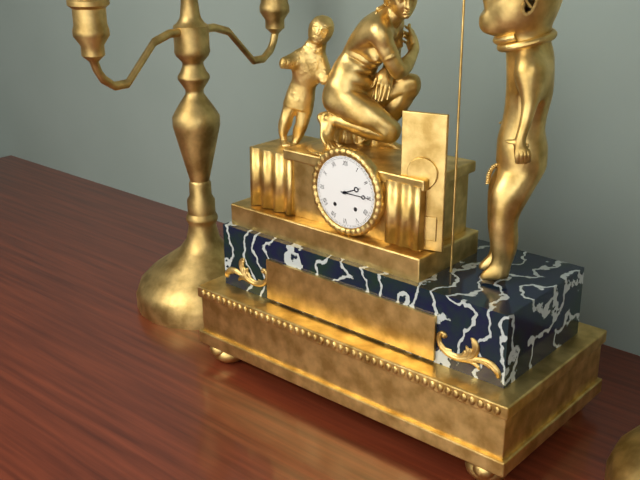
2:15
